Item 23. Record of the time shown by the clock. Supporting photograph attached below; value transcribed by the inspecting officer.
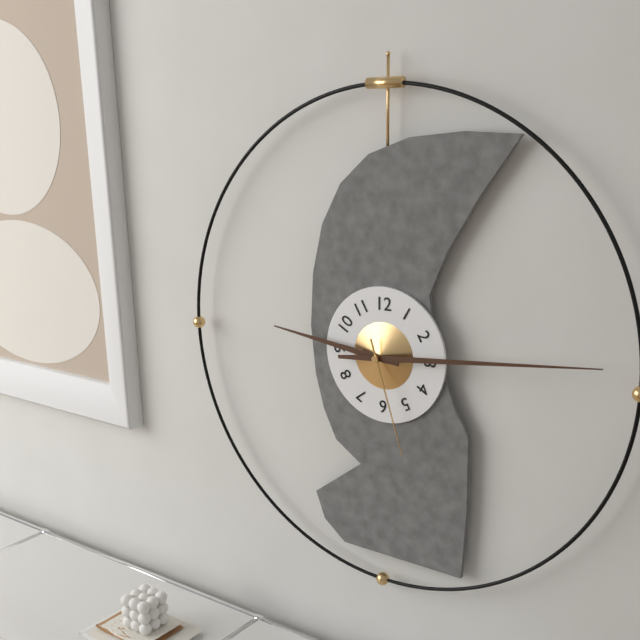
9:14:27
